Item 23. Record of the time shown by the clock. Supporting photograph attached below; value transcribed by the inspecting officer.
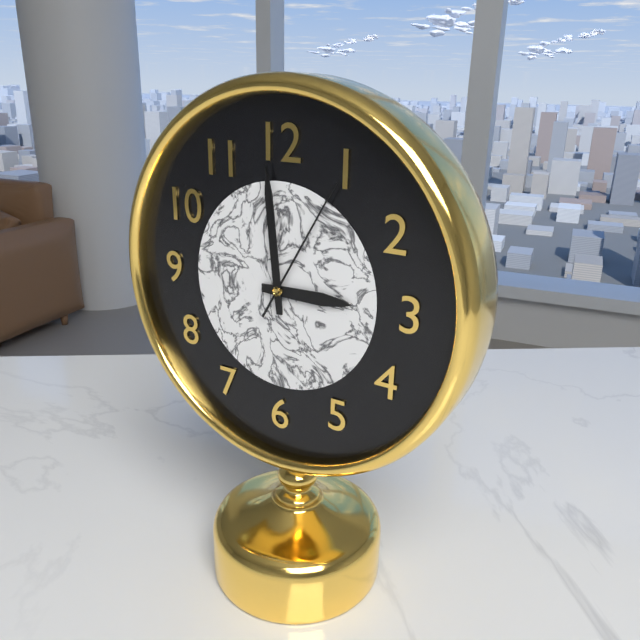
2:59:05
